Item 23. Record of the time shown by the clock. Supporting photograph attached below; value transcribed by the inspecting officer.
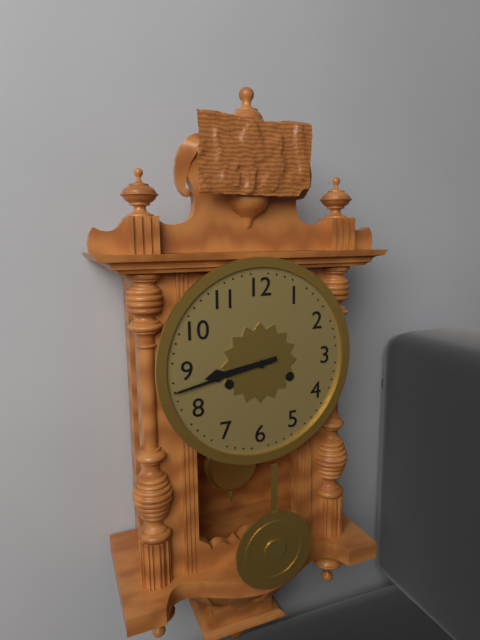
8:43
